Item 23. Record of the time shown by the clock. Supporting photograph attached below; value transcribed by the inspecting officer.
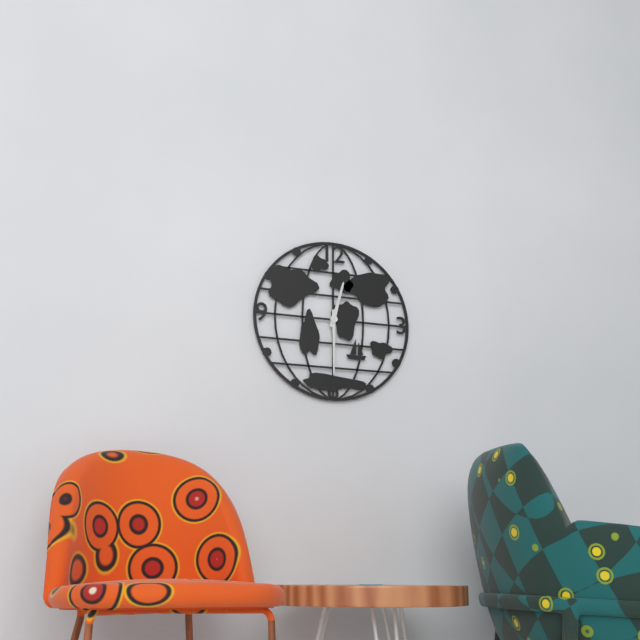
12:30
